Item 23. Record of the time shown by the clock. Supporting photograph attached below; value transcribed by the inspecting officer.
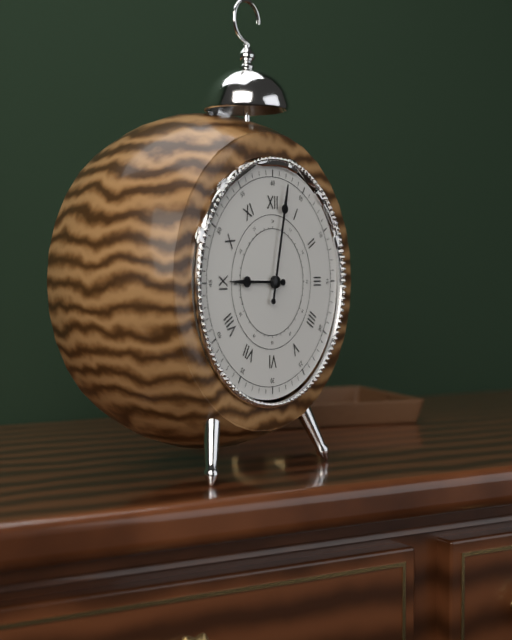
9:02
